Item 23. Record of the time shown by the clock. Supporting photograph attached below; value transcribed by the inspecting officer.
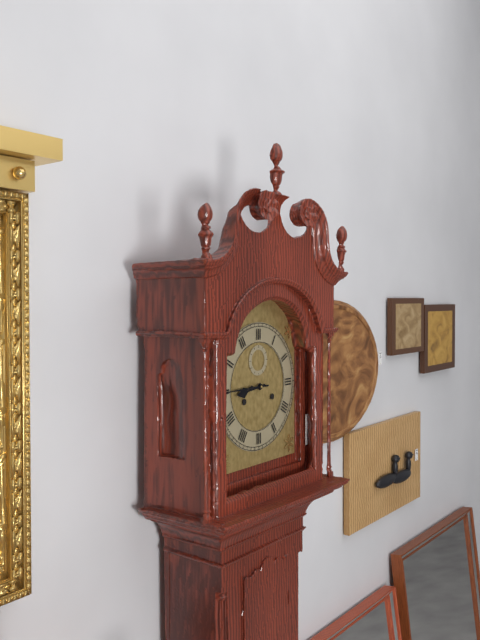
8:45
